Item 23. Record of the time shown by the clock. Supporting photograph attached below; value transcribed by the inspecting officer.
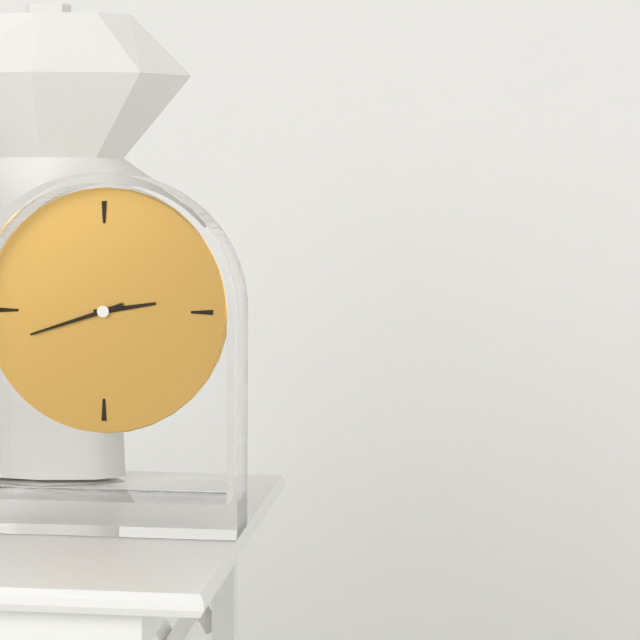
2:42
